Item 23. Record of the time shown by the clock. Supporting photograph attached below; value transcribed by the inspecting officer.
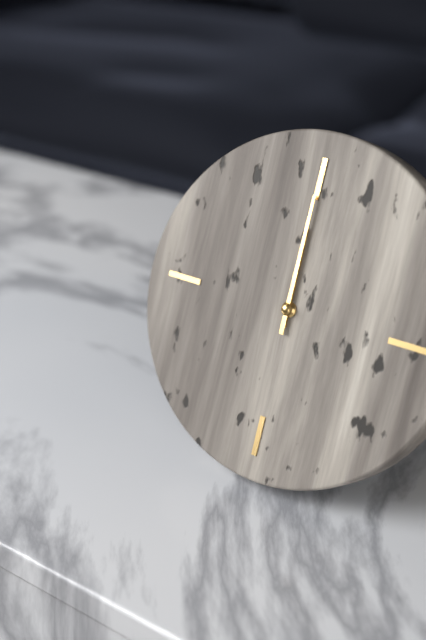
12:00
